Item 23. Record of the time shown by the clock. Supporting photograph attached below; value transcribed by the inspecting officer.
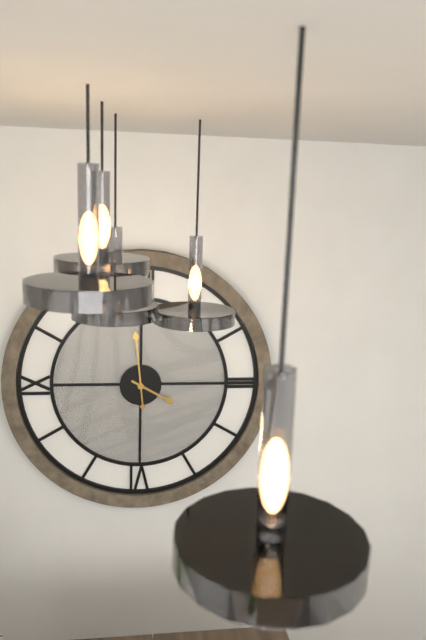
3:59
